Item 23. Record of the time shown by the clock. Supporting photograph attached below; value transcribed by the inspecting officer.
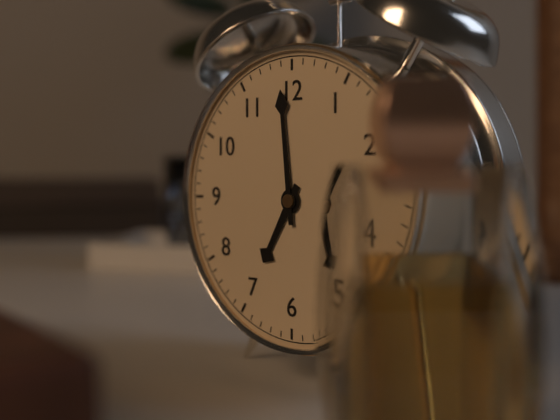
6:59
